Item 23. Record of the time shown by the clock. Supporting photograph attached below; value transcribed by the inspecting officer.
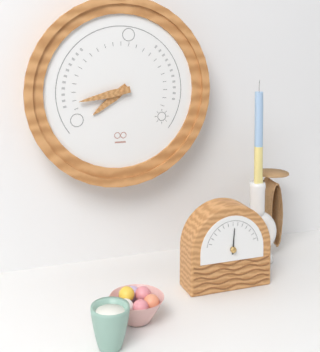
7:43
